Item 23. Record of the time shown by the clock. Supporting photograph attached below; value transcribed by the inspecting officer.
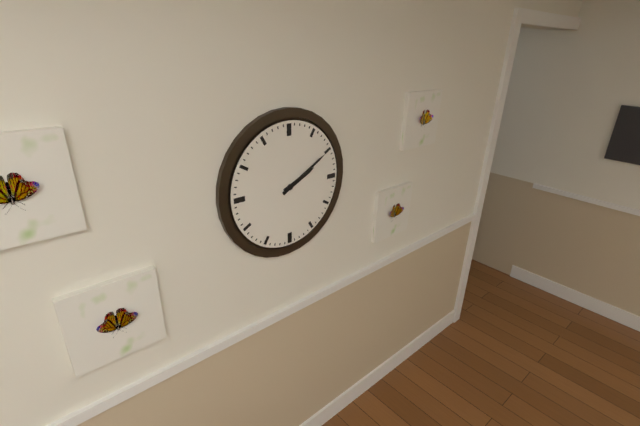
2:10
